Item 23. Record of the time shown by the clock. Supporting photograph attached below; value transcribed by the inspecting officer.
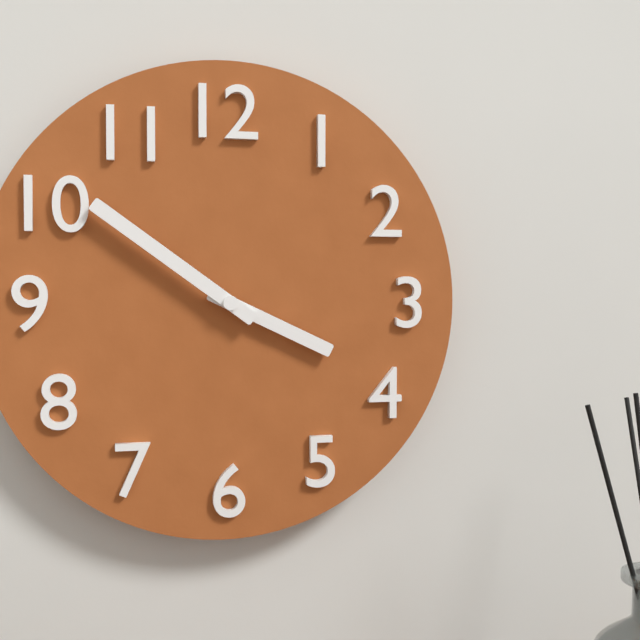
3:51
